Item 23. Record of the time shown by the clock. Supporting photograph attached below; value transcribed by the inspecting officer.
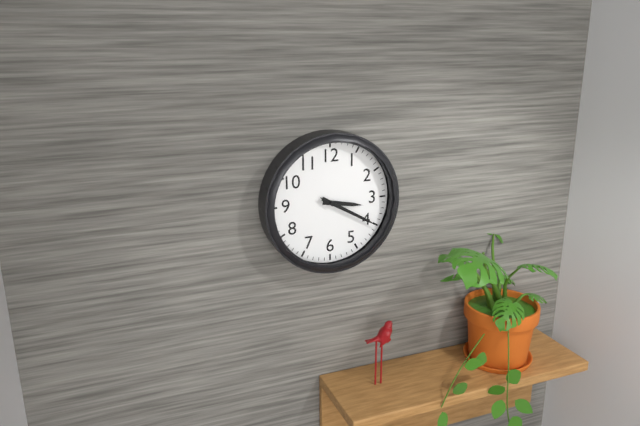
3:20:20
